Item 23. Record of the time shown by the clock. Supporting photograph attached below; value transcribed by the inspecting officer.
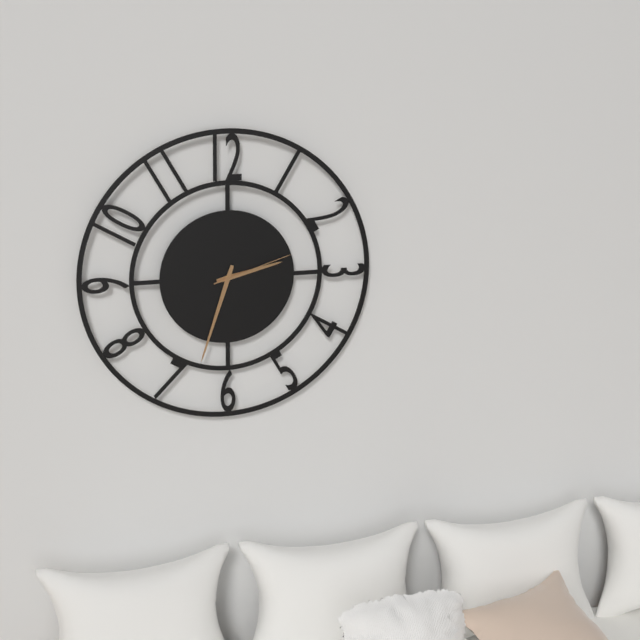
2:33:12
